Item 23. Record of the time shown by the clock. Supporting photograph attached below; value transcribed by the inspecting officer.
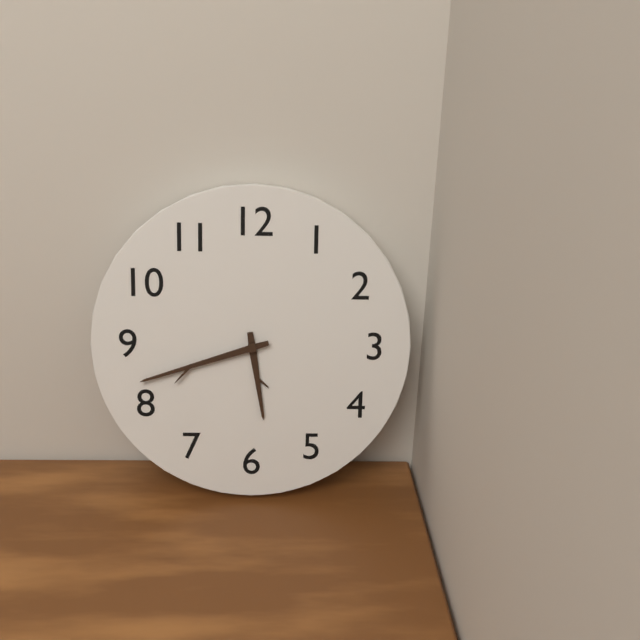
5:42
